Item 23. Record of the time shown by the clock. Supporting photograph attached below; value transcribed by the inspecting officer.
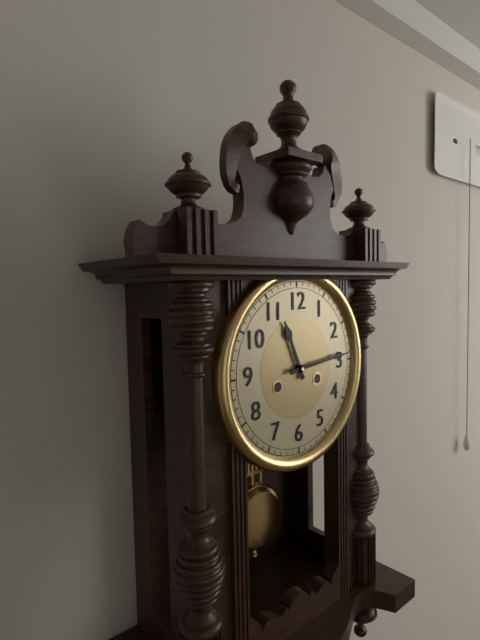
11:14
